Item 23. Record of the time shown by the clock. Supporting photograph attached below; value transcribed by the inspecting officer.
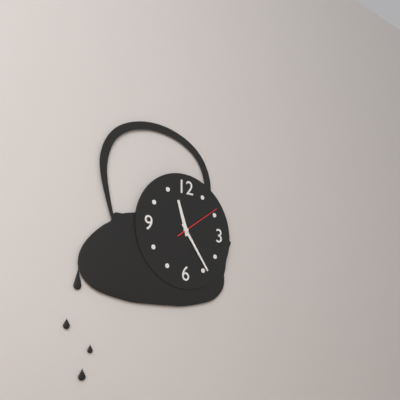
11:24
